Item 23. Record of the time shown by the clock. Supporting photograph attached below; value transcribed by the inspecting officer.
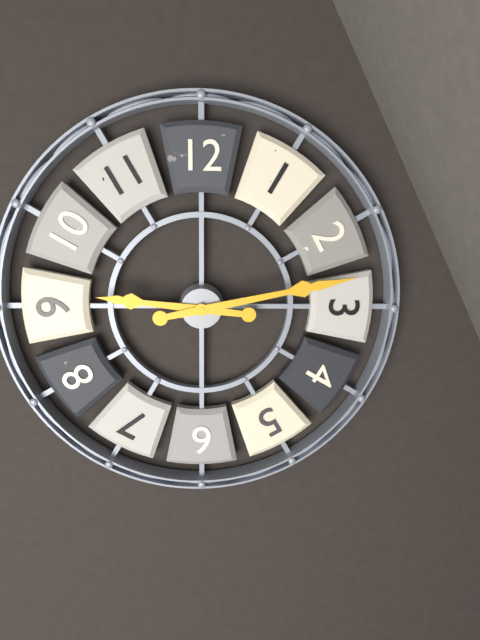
9:13
